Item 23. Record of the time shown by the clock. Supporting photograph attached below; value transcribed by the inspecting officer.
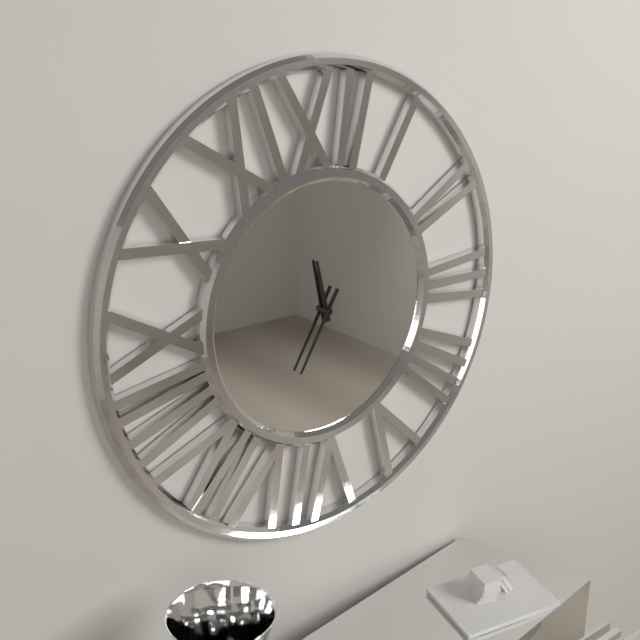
11:35
